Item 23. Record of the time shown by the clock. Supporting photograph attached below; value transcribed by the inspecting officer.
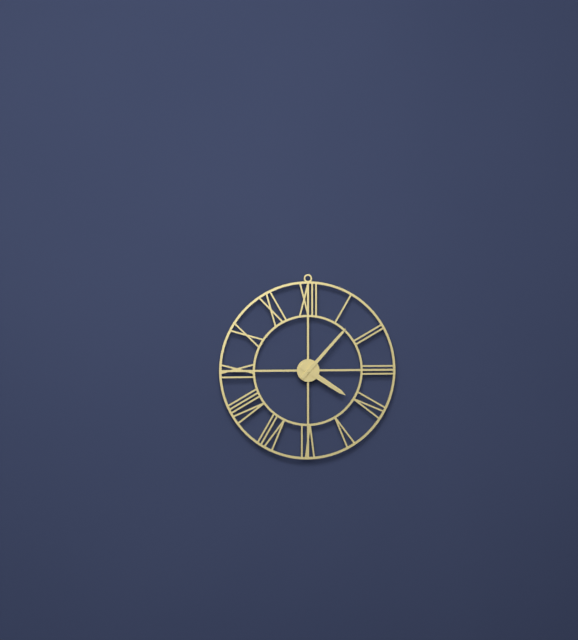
4:07
